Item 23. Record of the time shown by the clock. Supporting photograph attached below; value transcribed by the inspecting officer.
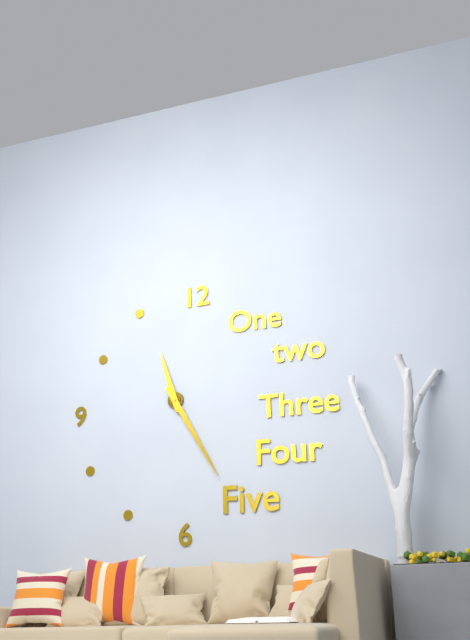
11:25
